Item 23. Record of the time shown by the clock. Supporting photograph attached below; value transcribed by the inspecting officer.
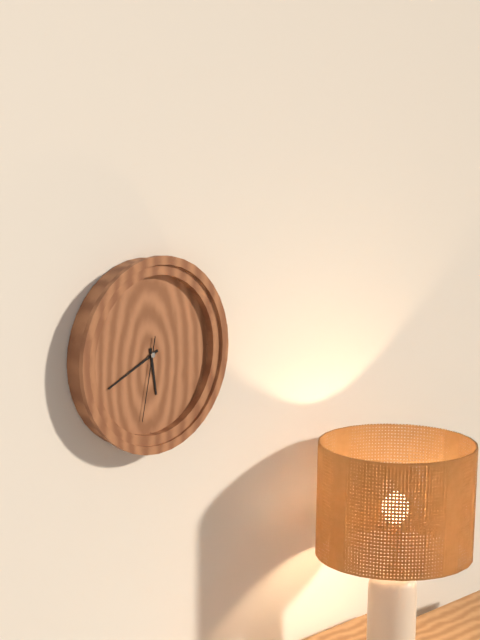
5:41:32
